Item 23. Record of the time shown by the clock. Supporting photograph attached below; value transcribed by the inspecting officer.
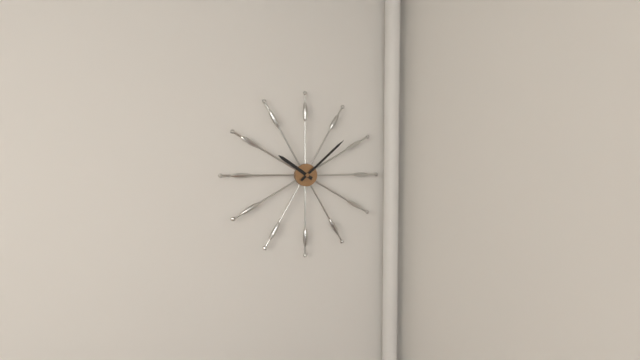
10:08
